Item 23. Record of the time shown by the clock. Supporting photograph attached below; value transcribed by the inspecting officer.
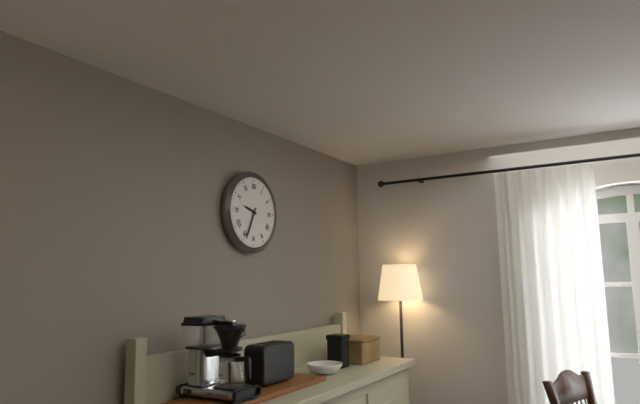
9:34
